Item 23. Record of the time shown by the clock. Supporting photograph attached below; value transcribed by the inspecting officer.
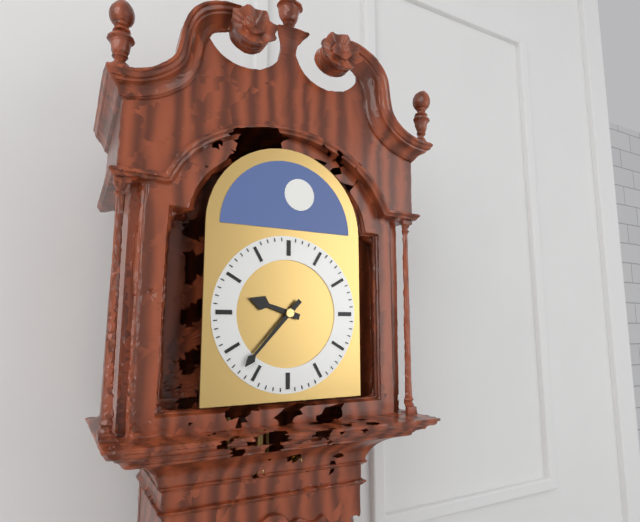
9:37
